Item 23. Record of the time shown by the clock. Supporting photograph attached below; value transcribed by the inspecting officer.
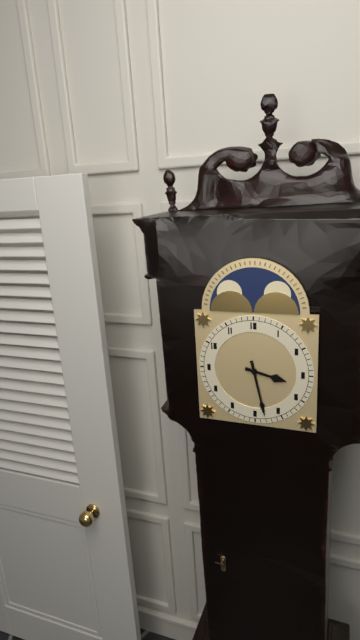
3:28
